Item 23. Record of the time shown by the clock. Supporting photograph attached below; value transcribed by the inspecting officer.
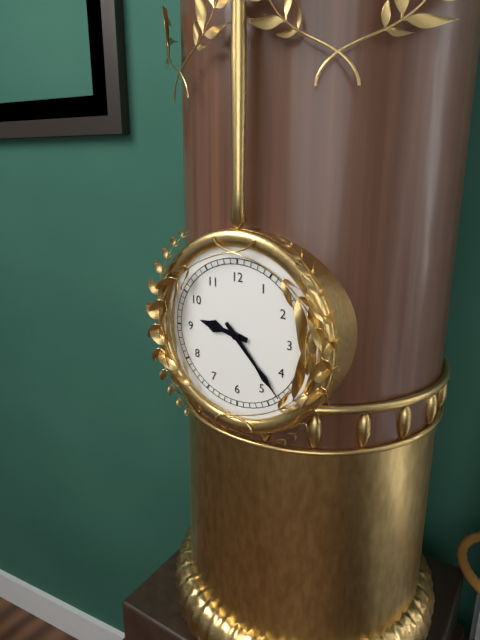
9:23
